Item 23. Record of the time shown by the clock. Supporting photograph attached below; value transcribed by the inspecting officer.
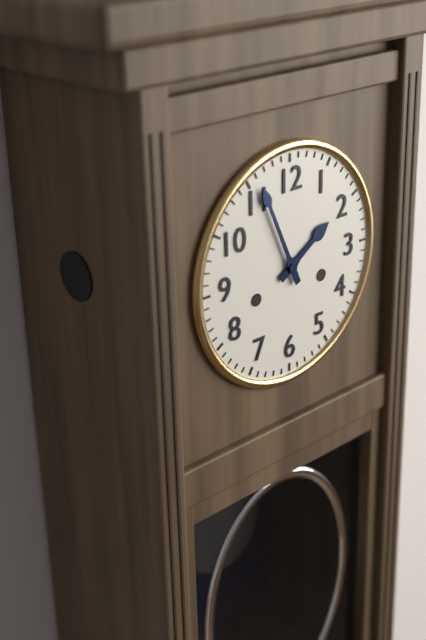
1:56
